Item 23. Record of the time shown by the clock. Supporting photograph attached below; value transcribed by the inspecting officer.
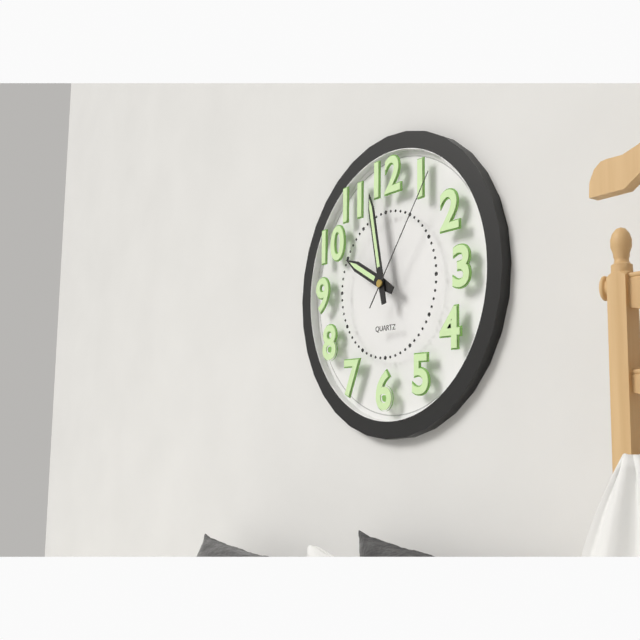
9:58:06
